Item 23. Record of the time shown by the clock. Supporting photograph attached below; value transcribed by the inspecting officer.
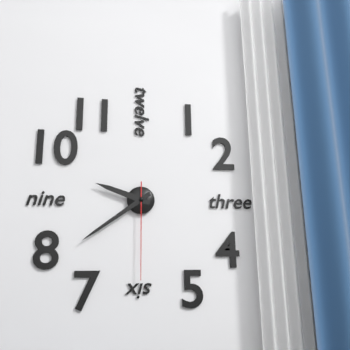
9:39:30
